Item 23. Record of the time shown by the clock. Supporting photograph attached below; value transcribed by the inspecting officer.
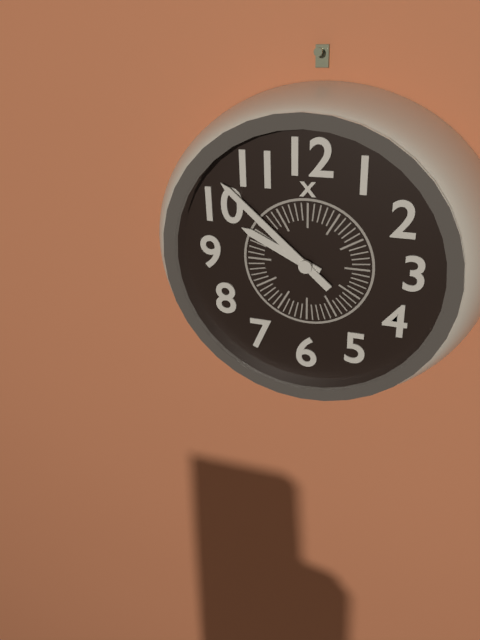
9:52
